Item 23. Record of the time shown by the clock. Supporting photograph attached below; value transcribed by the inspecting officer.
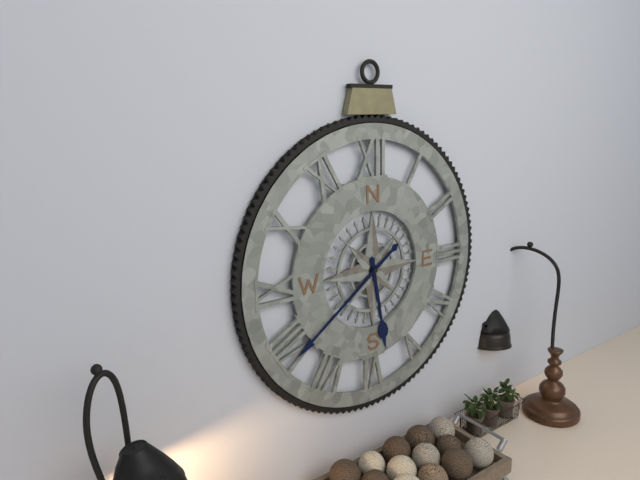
5:39
